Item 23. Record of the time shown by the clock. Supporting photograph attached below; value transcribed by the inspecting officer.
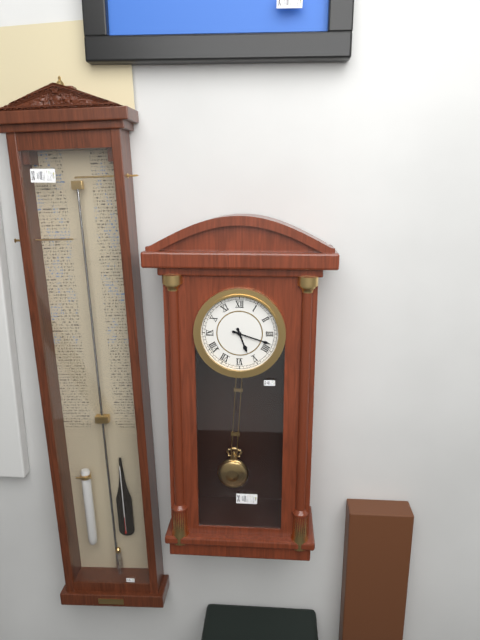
5:18
